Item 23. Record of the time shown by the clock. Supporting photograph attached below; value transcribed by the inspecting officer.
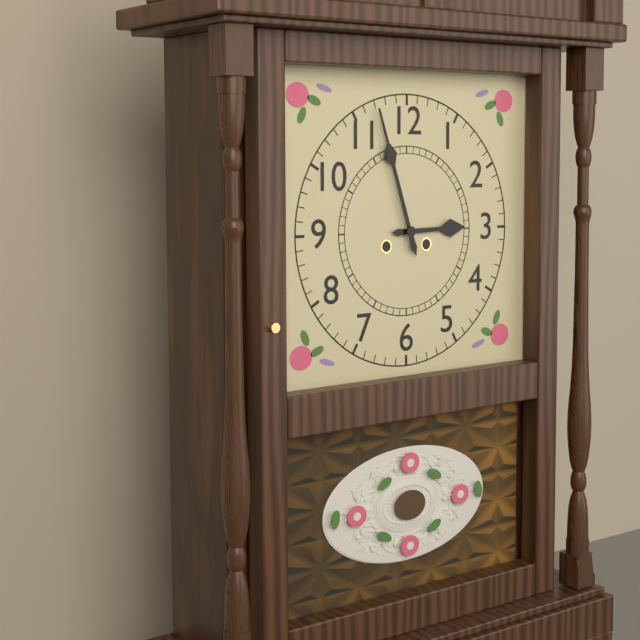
2:57
